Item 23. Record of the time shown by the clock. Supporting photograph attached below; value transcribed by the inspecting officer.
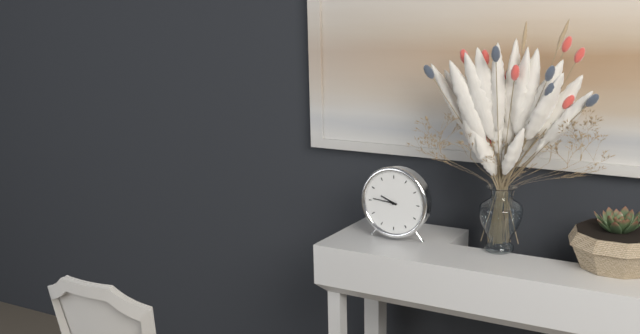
9:46
